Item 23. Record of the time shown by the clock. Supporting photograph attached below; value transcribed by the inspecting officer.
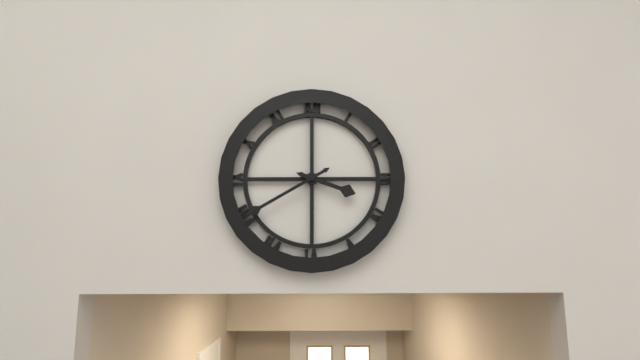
3:40
